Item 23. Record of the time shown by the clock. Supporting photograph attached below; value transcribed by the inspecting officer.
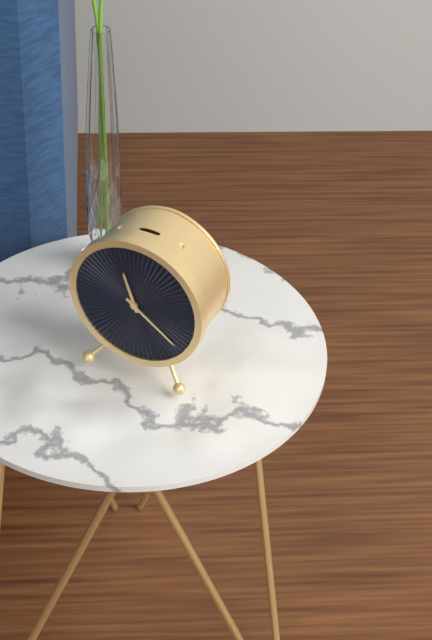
11:21
